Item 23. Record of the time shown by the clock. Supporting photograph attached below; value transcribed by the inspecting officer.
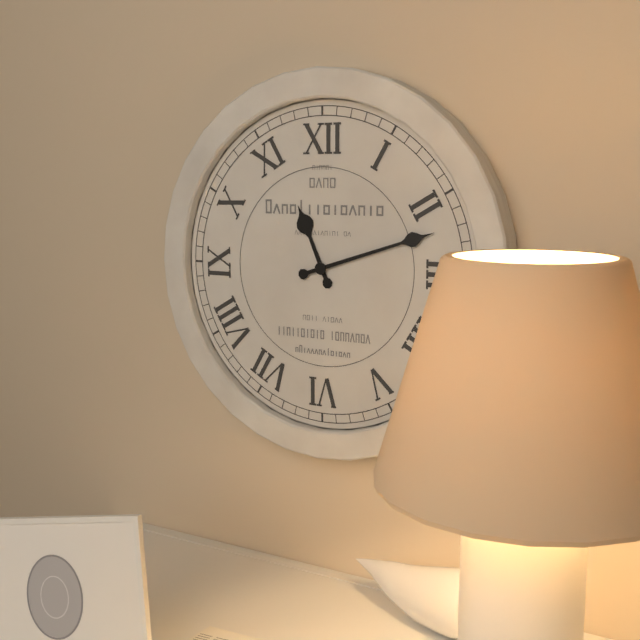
11:12
